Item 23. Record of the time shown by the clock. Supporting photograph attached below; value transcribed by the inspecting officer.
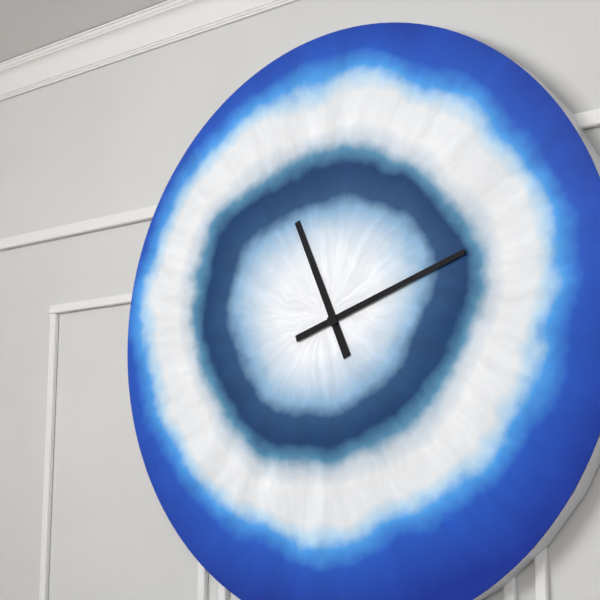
11:12
